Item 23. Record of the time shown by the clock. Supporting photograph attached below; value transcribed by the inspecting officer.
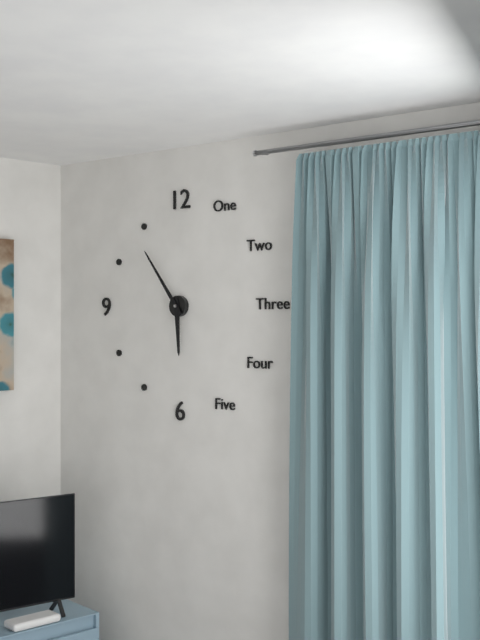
5:54
